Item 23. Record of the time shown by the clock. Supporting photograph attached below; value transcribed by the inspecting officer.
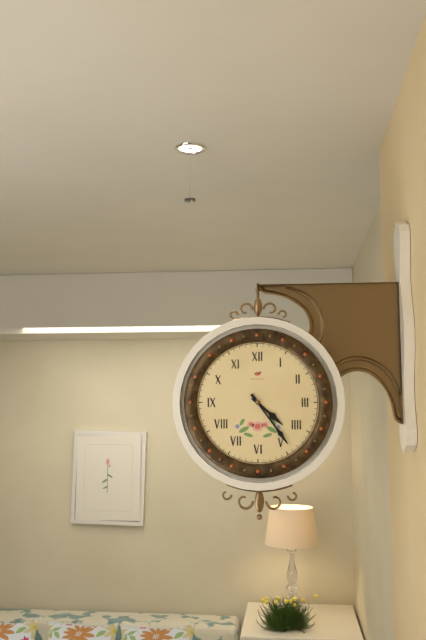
4:24
